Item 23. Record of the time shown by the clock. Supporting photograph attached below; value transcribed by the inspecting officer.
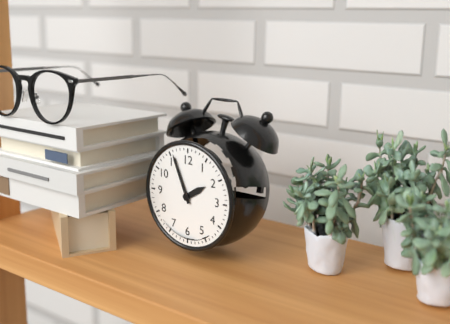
1:56
